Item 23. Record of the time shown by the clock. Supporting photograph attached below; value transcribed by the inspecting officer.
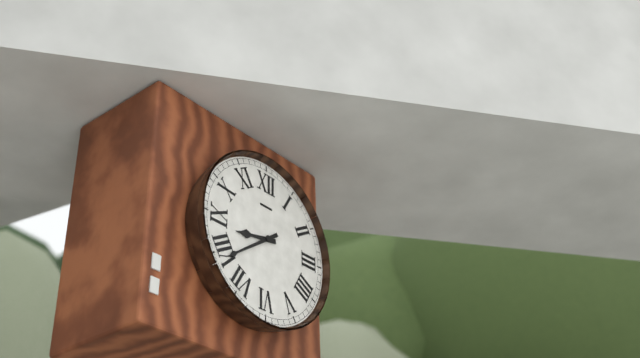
8:39
